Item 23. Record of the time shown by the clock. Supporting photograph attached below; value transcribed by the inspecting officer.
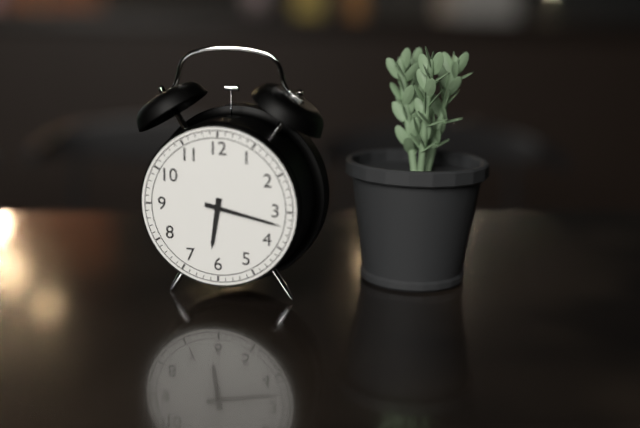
6:17
